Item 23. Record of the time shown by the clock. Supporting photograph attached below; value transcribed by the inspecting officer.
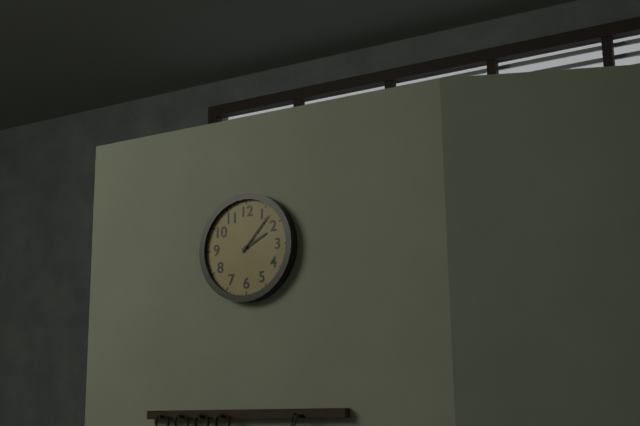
2:07
